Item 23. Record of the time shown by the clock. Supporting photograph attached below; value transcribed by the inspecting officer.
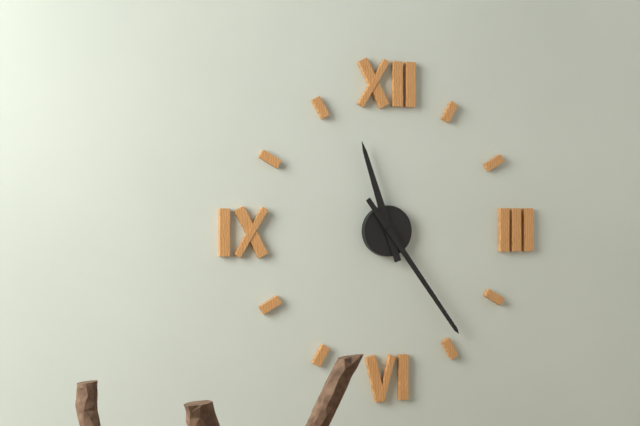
11:24
